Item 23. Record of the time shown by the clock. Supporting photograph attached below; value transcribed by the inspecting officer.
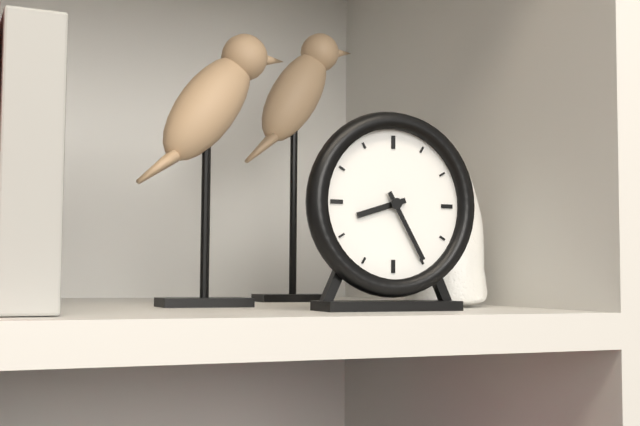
8:25
